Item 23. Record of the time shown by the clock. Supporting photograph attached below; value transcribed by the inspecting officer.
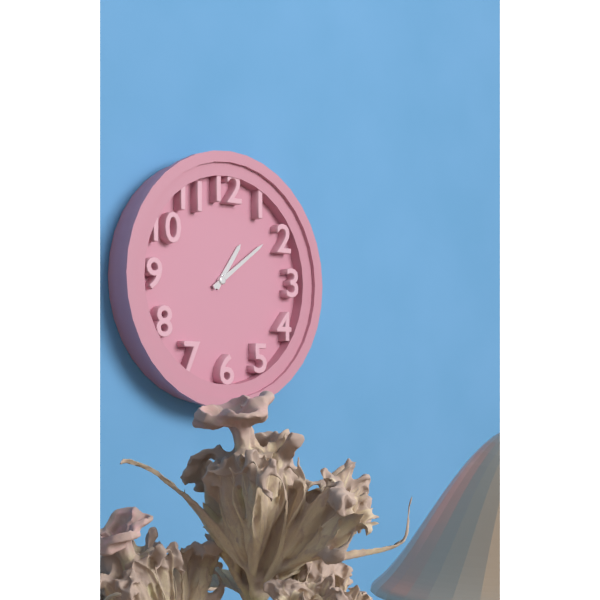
1:09
